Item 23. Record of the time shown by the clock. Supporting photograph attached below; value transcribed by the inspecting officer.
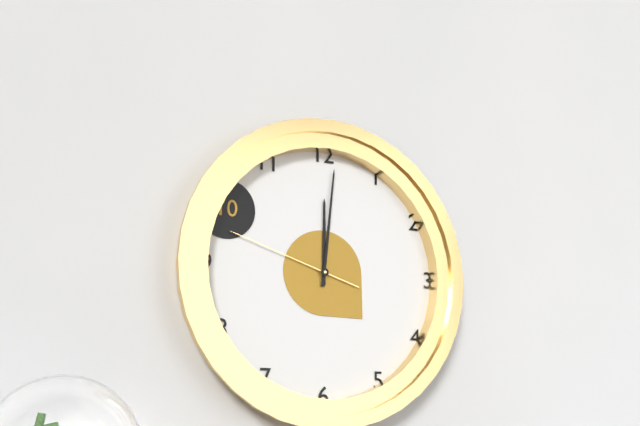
12:01:48
